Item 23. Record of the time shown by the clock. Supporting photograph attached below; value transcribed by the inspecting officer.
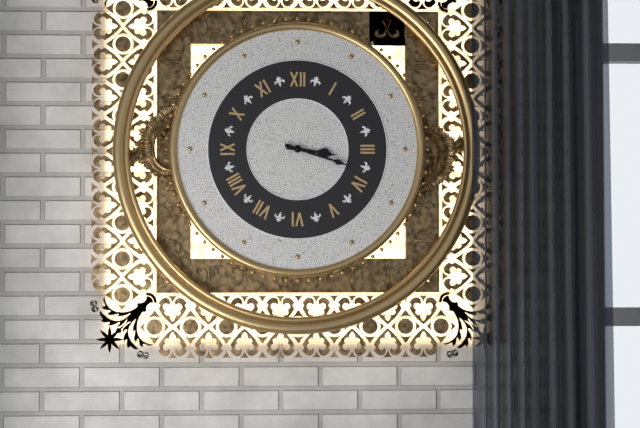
3:18
